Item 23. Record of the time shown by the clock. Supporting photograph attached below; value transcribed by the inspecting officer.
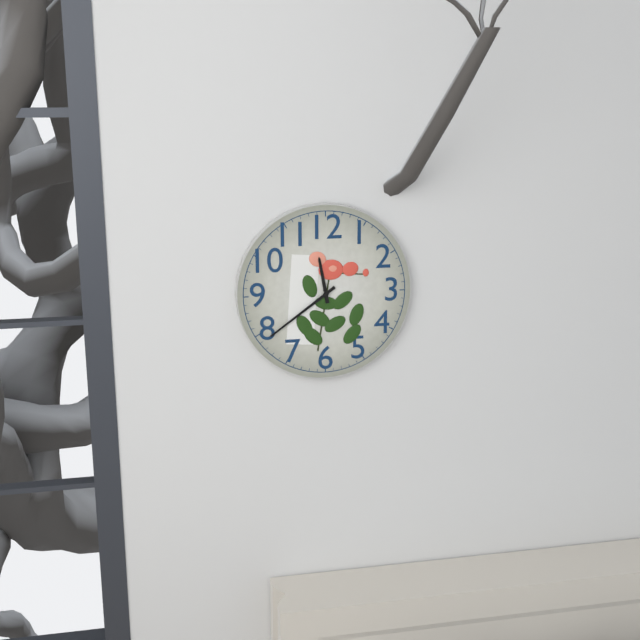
11:39
